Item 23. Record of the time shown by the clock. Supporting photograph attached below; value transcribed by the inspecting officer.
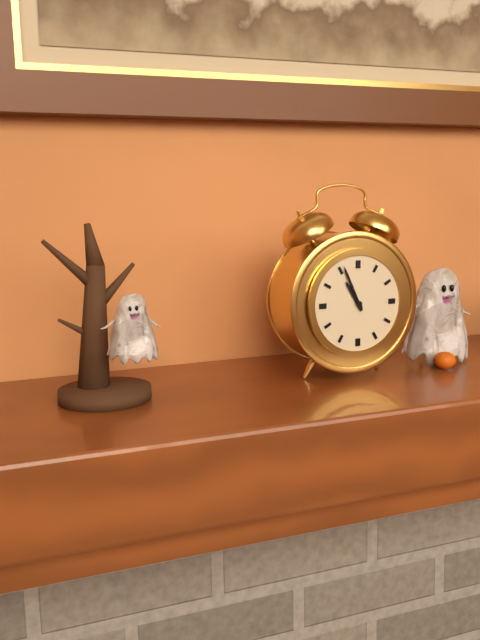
10:56
